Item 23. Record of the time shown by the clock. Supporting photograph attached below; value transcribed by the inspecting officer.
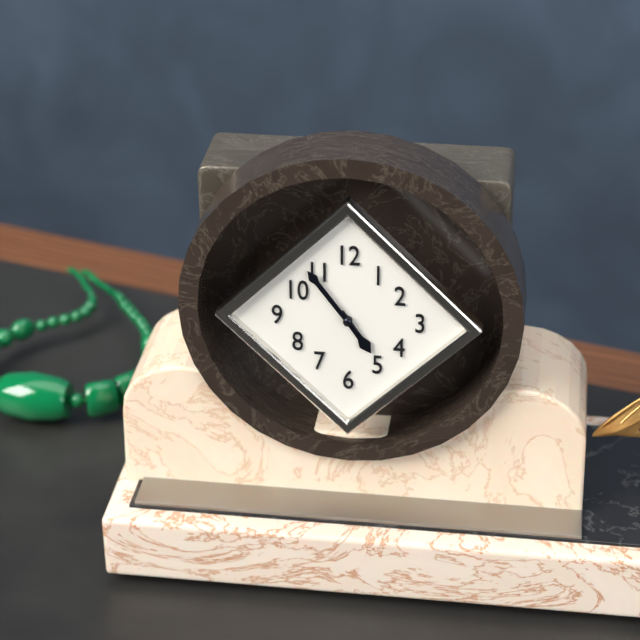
4:54
